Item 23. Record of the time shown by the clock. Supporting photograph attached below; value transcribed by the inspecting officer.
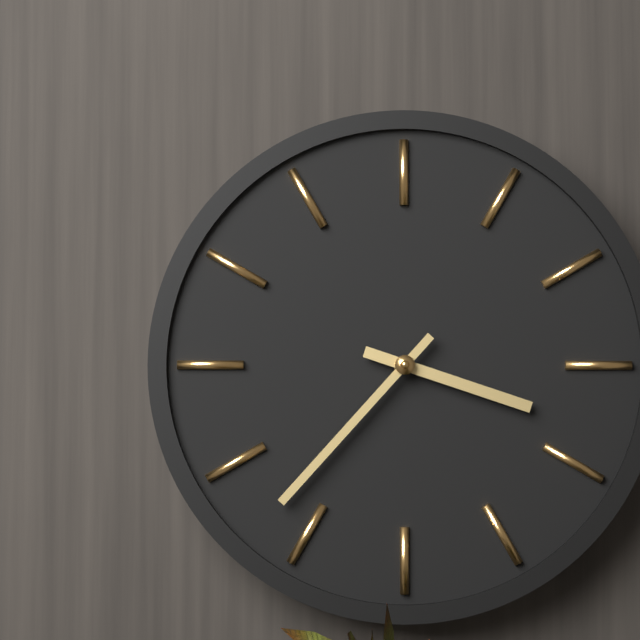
3:37
